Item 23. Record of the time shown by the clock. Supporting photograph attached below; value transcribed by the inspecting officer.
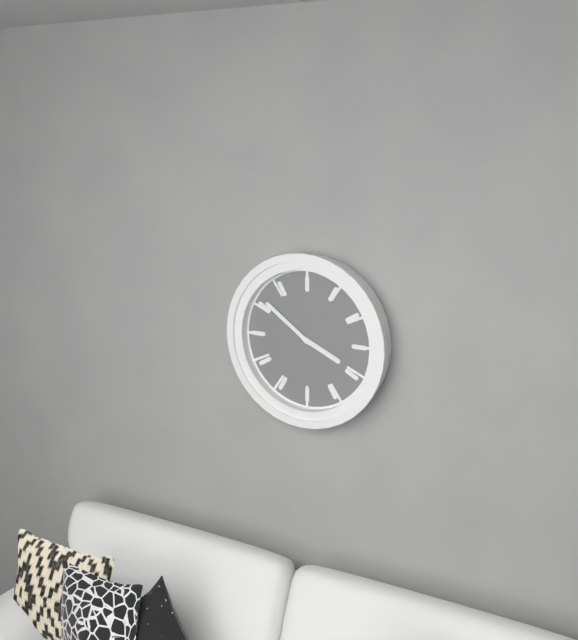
3:51
